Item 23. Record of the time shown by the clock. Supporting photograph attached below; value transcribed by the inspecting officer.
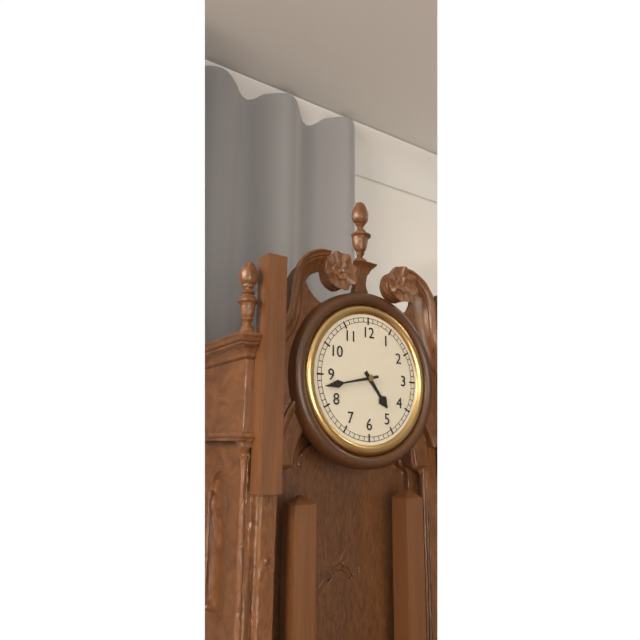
4:43
